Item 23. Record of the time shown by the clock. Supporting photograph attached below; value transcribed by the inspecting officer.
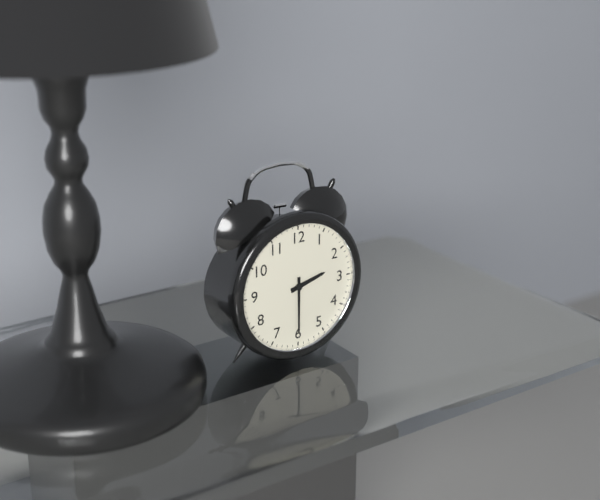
2:30
